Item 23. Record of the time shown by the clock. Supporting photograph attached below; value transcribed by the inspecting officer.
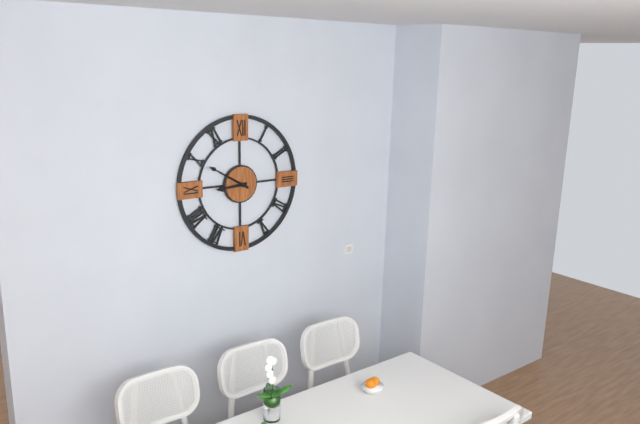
8:50
